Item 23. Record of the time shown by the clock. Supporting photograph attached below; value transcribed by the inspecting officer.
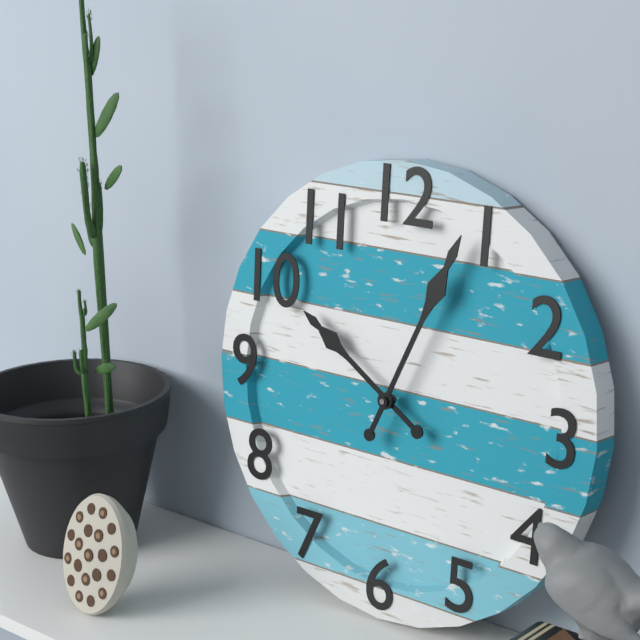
10:04
